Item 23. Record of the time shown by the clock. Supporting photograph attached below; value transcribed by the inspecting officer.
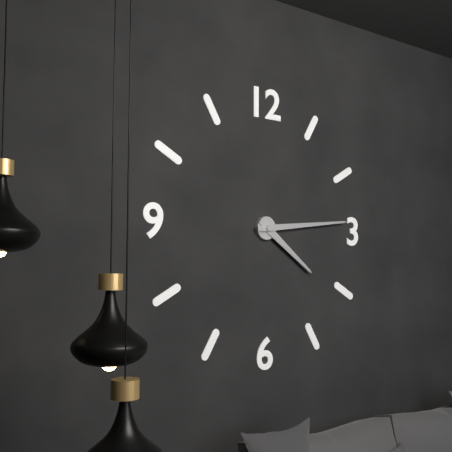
4:14
